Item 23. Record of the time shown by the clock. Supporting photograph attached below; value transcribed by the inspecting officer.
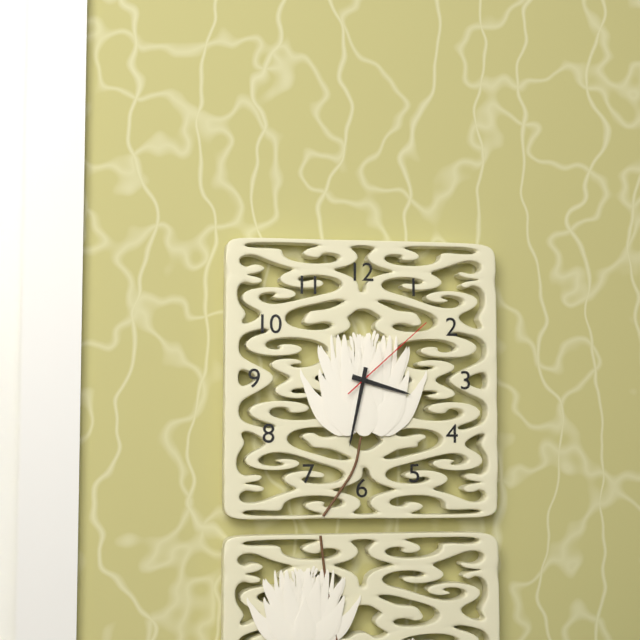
3:32:08
